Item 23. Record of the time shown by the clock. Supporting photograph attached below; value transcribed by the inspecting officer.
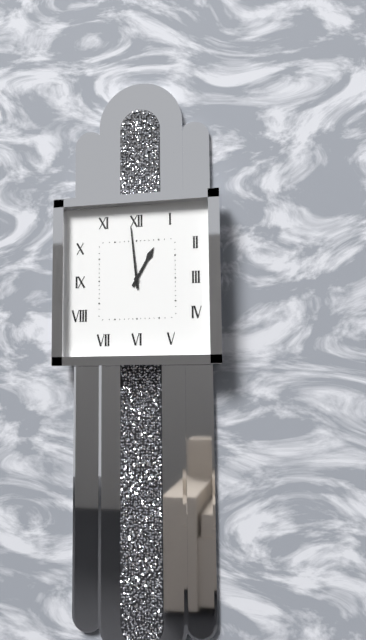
12:59
